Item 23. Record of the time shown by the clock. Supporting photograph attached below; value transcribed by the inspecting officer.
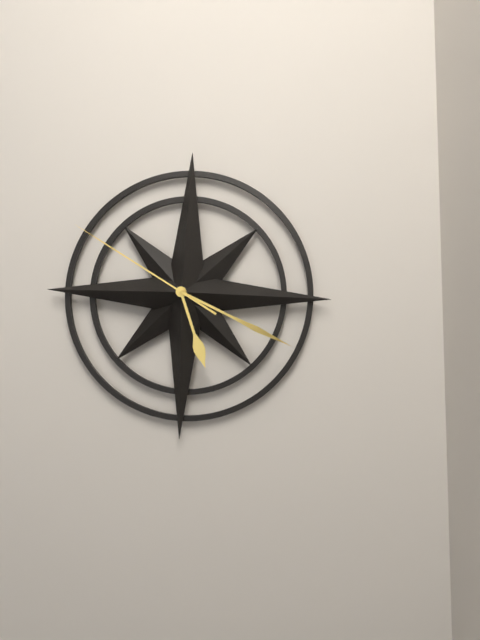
5:19:50
